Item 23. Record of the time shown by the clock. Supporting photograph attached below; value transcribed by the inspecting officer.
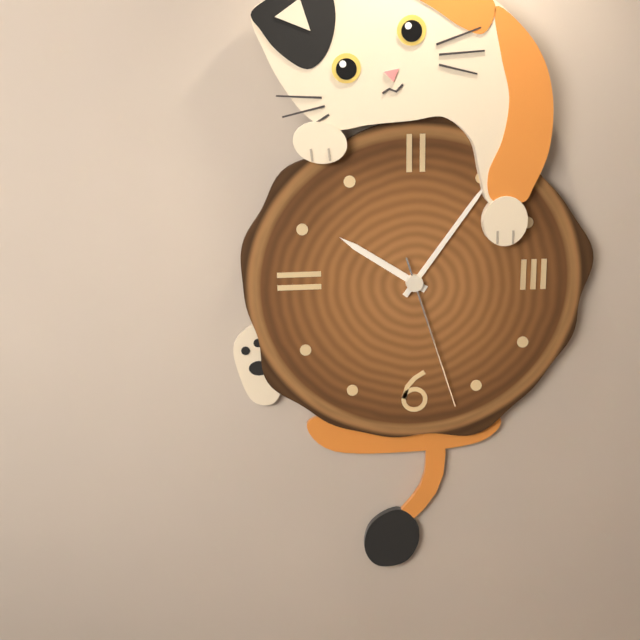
10:06:27
